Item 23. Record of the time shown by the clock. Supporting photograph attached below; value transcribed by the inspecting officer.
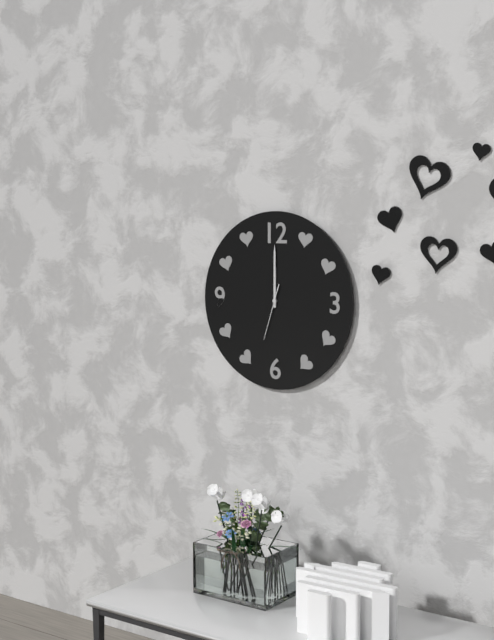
12:00:33
